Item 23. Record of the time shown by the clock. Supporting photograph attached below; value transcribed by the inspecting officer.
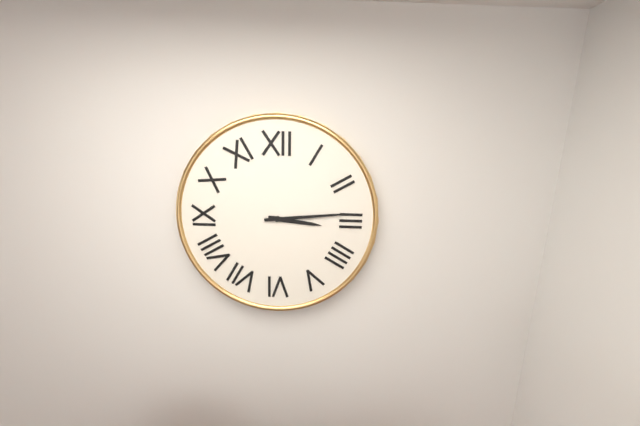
3:14
